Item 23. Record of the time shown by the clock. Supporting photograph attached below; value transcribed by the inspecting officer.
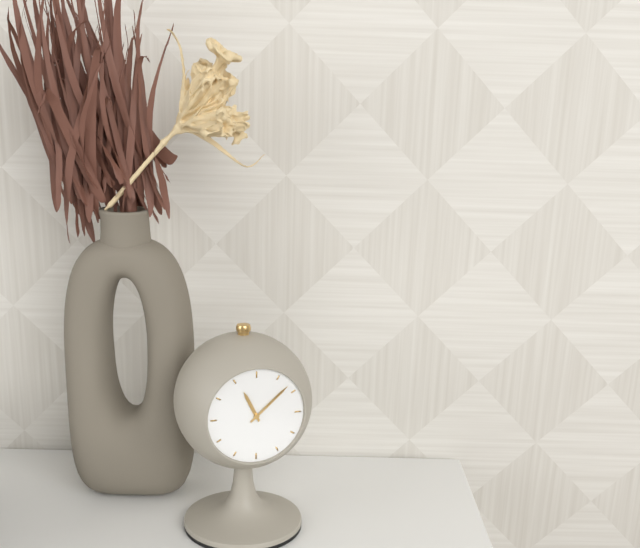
11:08
